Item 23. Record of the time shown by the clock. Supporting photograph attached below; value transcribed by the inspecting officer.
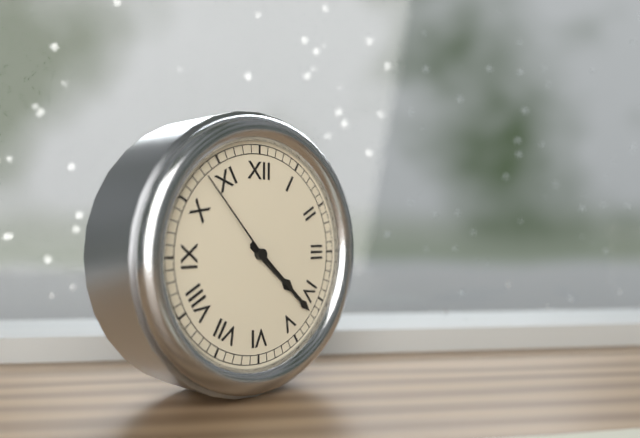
4:22:53
